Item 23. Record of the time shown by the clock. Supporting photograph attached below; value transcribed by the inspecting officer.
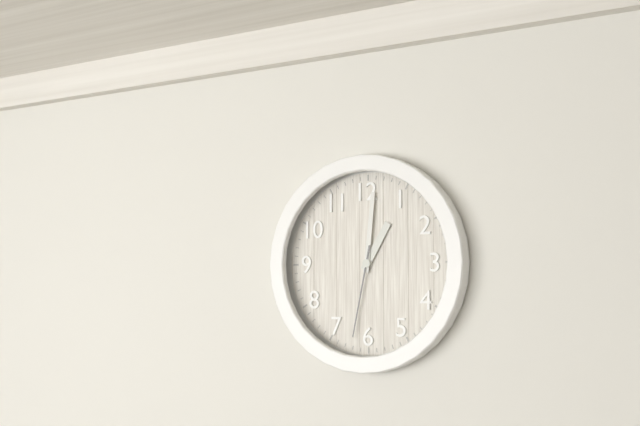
1:01:32
